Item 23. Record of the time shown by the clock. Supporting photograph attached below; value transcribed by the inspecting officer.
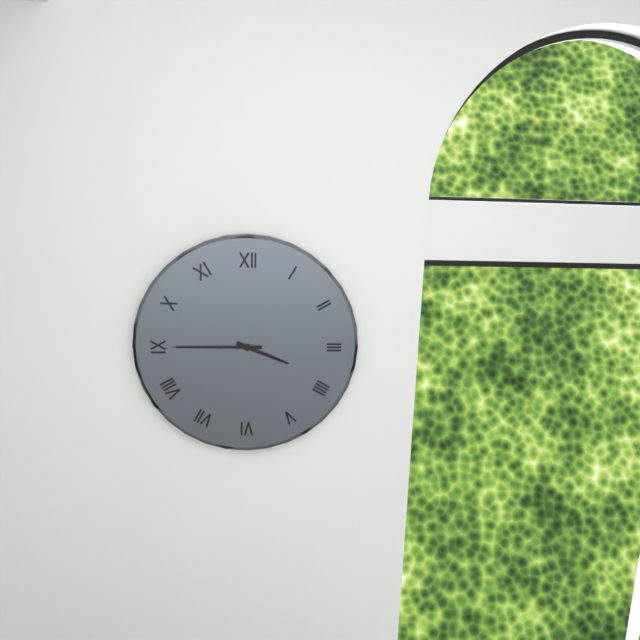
3:45
